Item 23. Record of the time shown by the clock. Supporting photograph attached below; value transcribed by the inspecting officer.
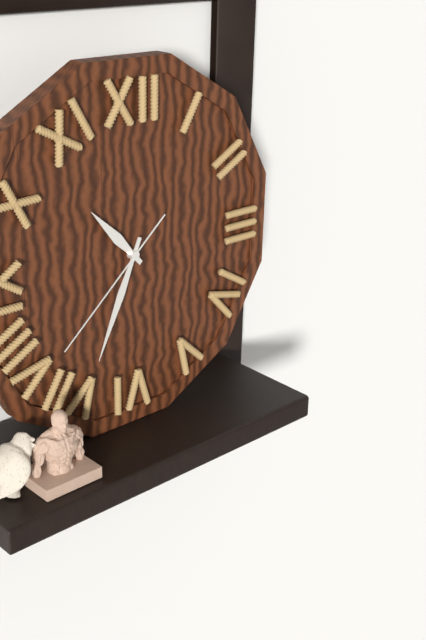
10:34:38
